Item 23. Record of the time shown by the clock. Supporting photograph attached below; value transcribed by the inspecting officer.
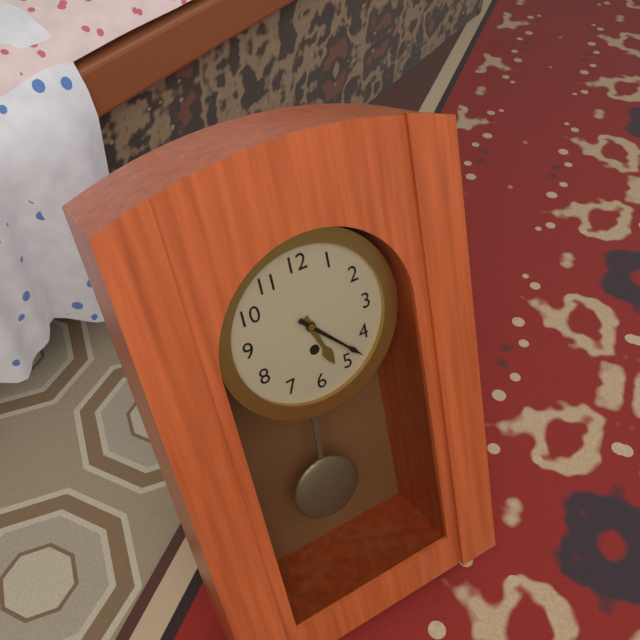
5:23
